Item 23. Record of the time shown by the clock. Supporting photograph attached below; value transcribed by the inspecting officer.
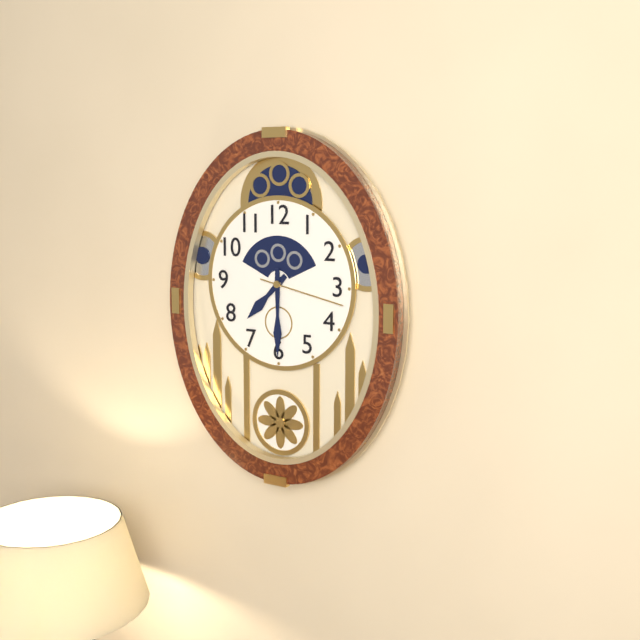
7:30:17
